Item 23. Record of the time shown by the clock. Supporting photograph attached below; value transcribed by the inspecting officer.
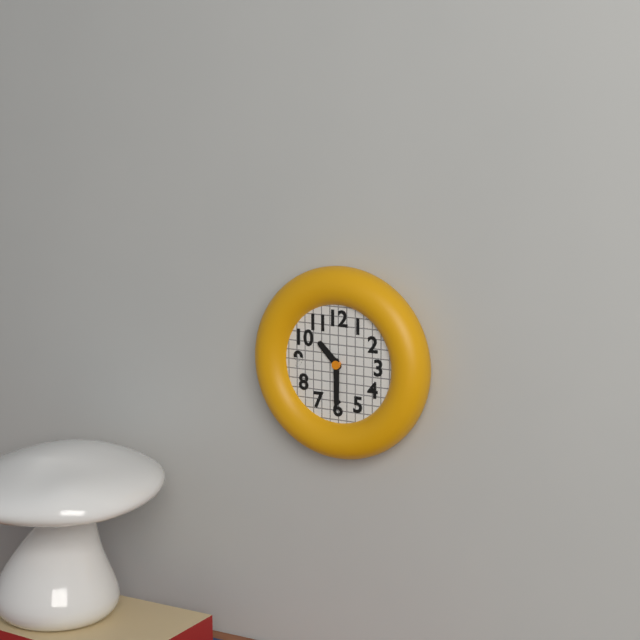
10:30
